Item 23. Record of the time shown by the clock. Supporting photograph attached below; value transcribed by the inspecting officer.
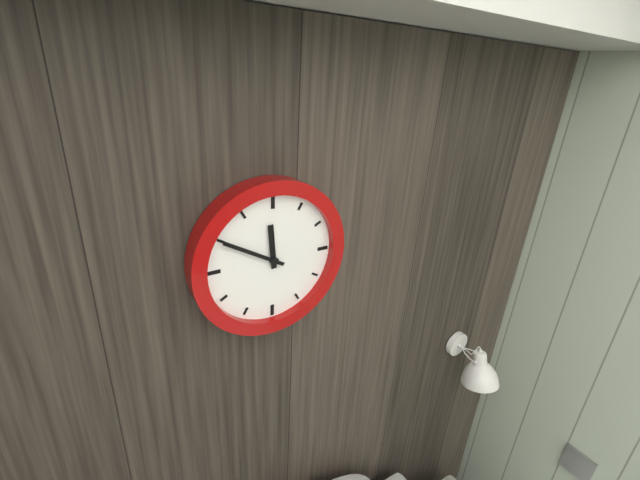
11:50
